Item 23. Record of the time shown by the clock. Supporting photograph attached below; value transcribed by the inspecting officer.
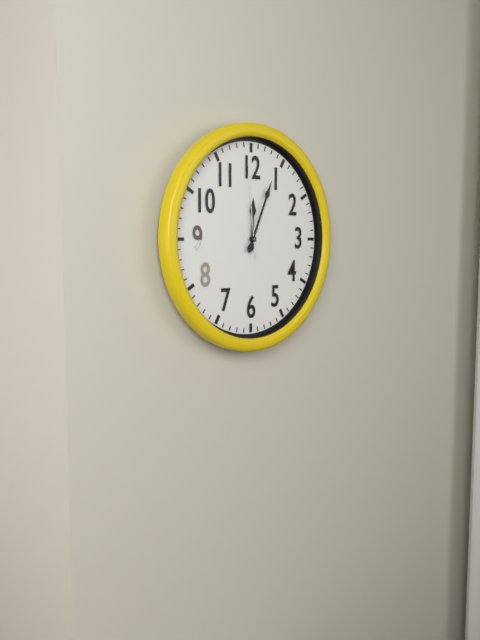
12:04:59
